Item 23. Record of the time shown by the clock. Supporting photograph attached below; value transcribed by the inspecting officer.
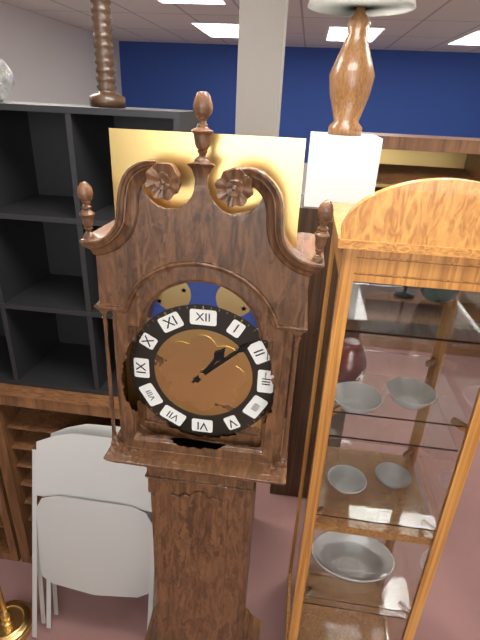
1:08
